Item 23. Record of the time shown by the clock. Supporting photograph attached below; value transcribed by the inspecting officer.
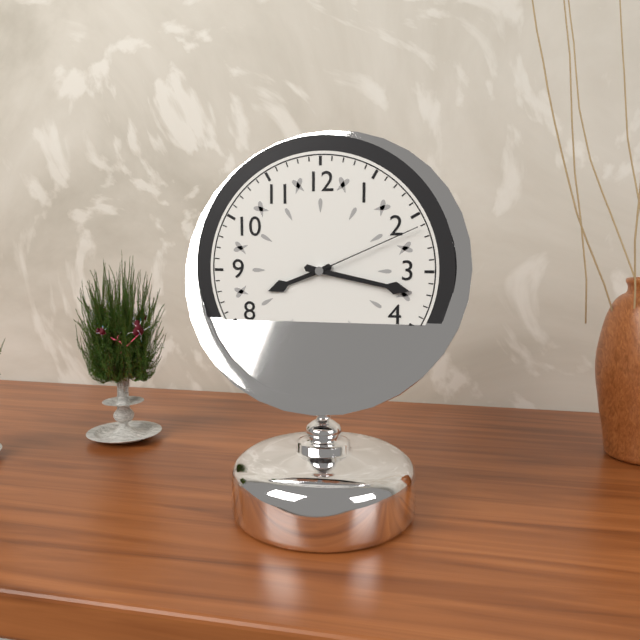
8:17:11
